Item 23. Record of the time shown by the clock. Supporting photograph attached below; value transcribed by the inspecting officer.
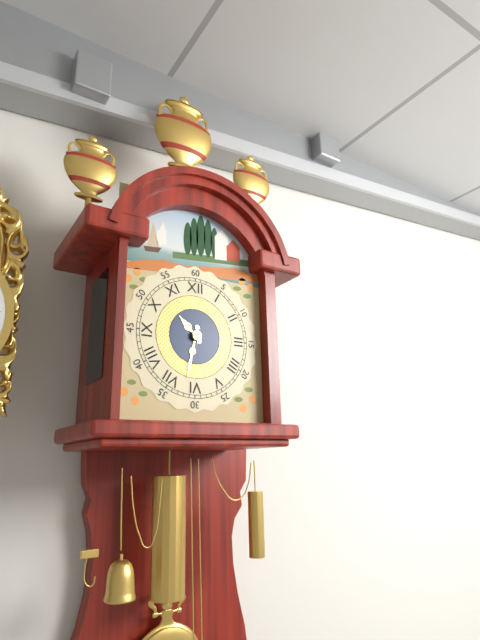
10:32
